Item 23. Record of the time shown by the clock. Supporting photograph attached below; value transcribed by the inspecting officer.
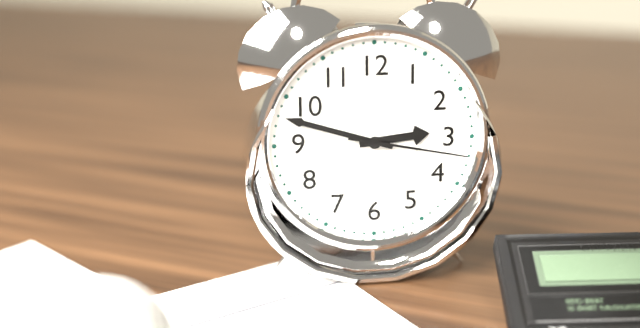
2:48:17
